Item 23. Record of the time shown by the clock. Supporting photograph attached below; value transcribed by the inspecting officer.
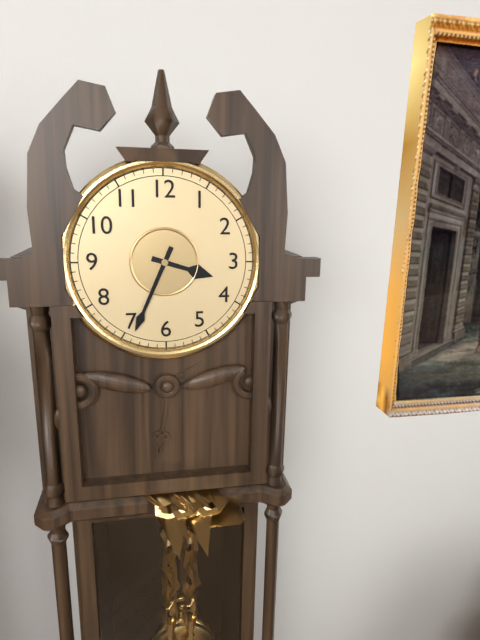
3:34
